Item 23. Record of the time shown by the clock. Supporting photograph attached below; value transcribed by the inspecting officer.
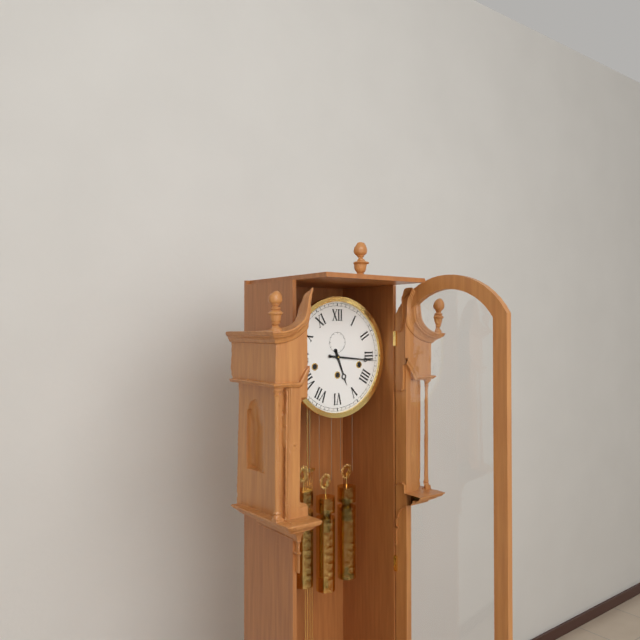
5:16
